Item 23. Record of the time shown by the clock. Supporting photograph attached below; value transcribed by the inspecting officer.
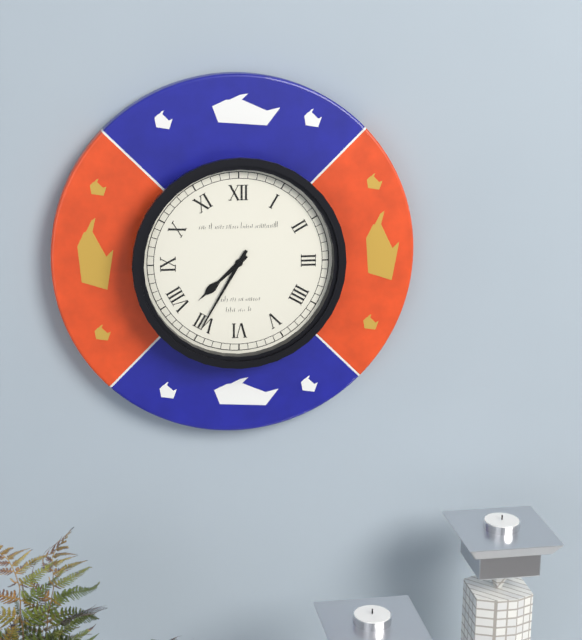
7:35
